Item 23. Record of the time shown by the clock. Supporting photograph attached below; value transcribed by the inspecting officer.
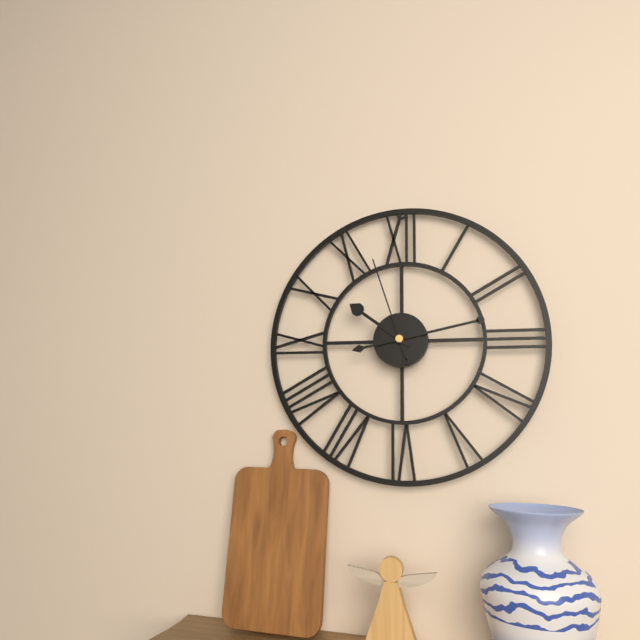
10:13:57
